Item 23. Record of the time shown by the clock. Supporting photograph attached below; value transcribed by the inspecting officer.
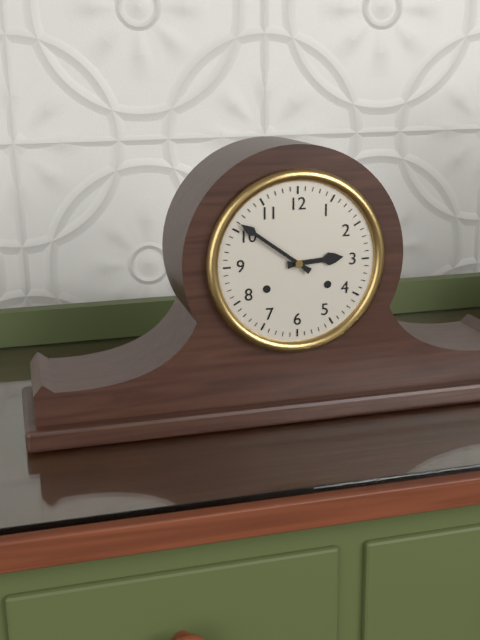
2:51
